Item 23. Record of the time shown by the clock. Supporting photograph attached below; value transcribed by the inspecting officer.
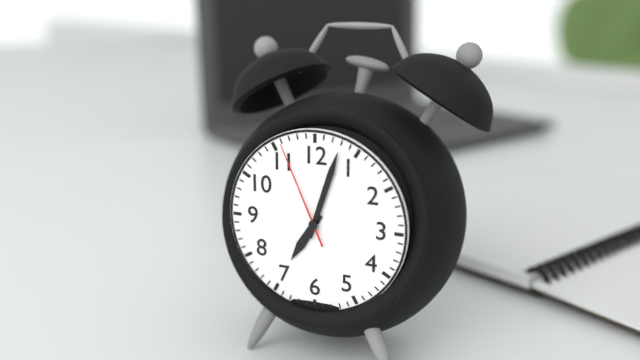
7:03:56
